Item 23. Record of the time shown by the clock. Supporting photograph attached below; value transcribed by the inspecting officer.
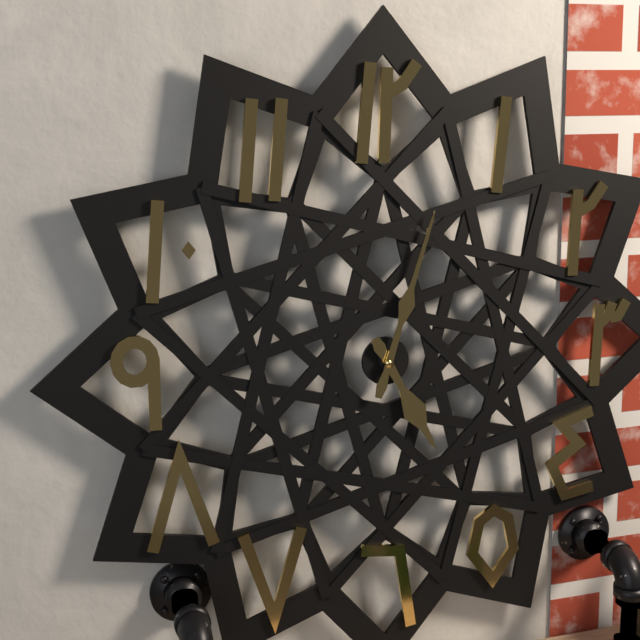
5:03
